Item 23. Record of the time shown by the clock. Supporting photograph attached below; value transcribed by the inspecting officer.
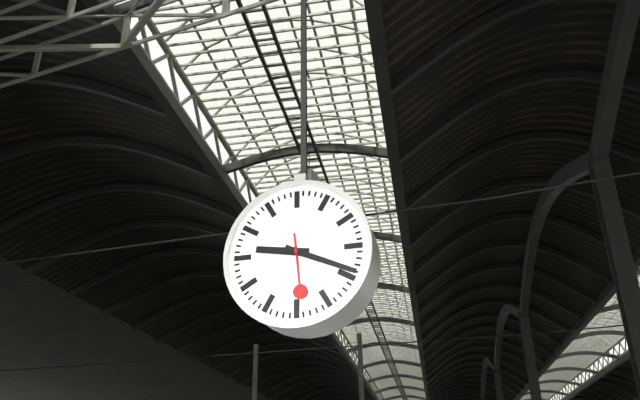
9:19:29
